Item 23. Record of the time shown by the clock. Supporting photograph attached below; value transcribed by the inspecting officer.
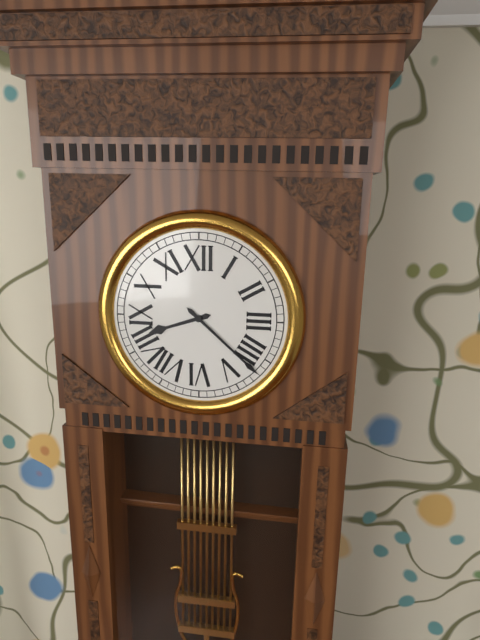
8:22
